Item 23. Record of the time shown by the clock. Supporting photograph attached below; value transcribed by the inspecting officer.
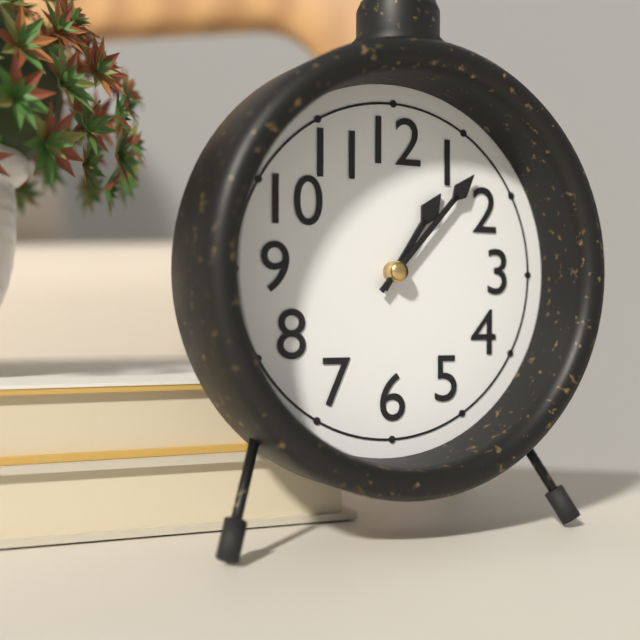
1:07
